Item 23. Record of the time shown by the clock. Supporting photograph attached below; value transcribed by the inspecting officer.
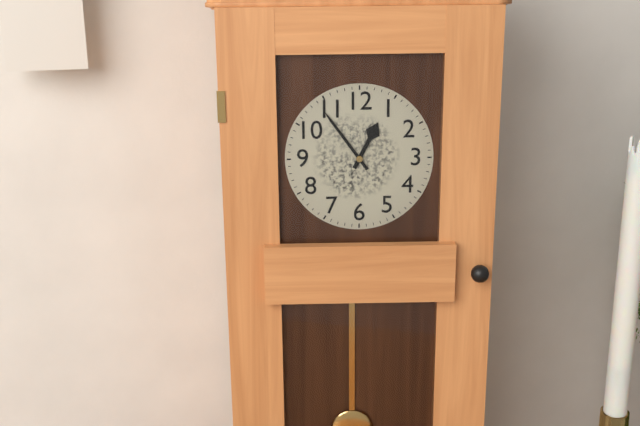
12:54
